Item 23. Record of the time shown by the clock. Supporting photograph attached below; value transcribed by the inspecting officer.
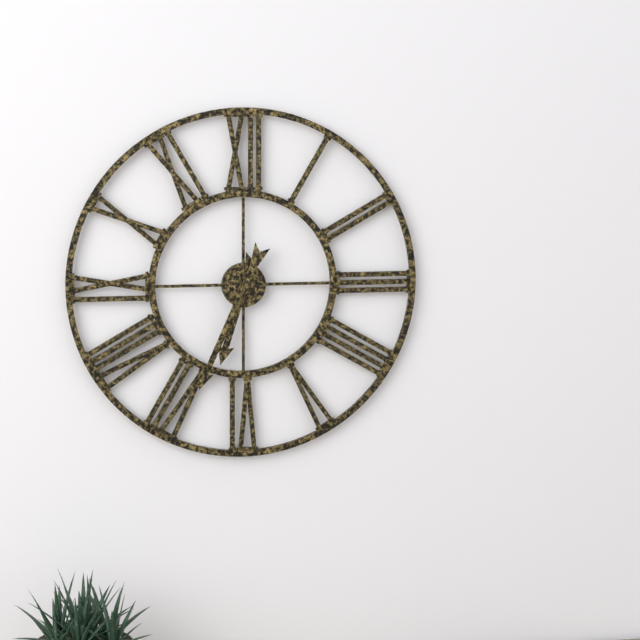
6:34
